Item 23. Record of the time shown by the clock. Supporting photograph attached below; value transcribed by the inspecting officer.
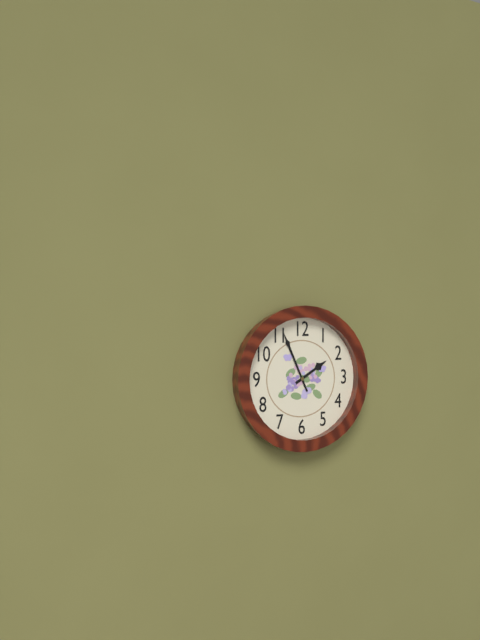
1:56
